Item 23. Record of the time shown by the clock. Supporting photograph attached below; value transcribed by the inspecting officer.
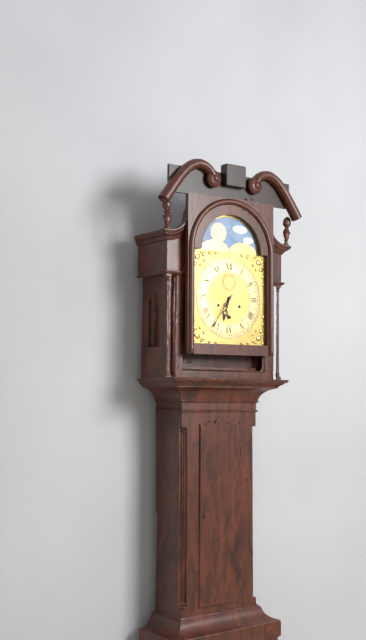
6:36
